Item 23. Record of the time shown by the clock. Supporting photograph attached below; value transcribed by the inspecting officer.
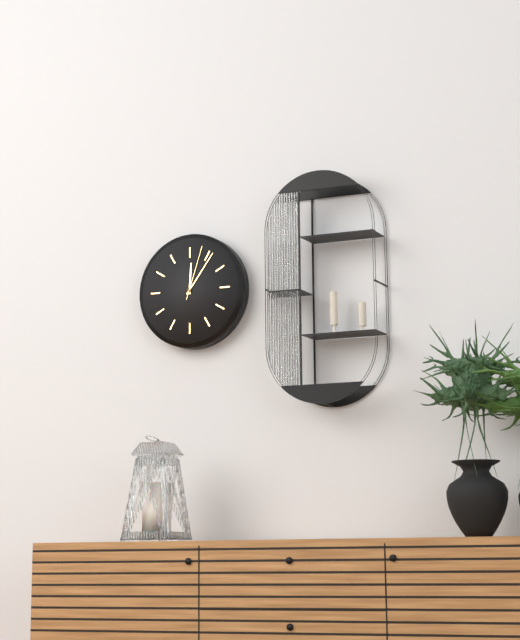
12:06:03
